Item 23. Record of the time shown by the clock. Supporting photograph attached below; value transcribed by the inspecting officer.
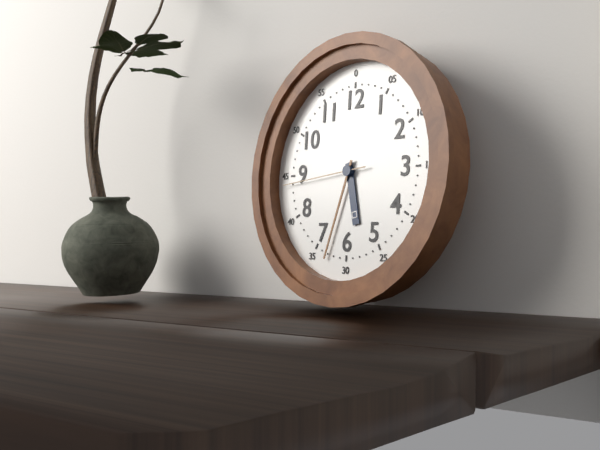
5:33:44
